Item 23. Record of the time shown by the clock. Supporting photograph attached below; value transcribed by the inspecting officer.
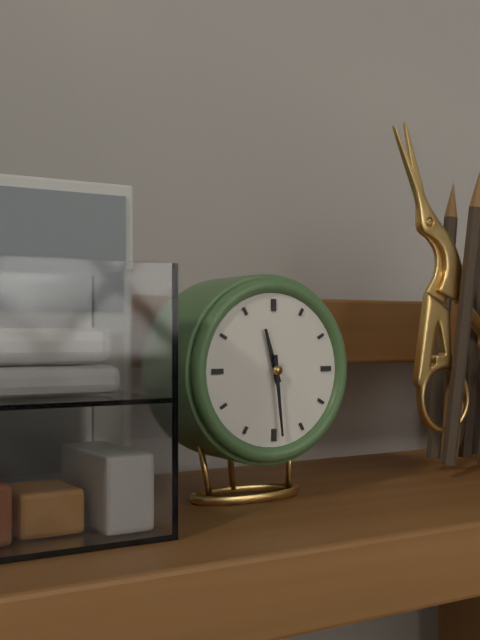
11:29
